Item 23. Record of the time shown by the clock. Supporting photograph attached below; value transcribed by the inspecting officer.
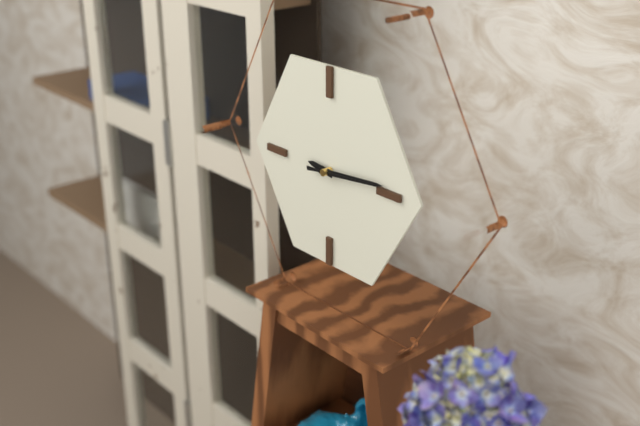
9:14:14
